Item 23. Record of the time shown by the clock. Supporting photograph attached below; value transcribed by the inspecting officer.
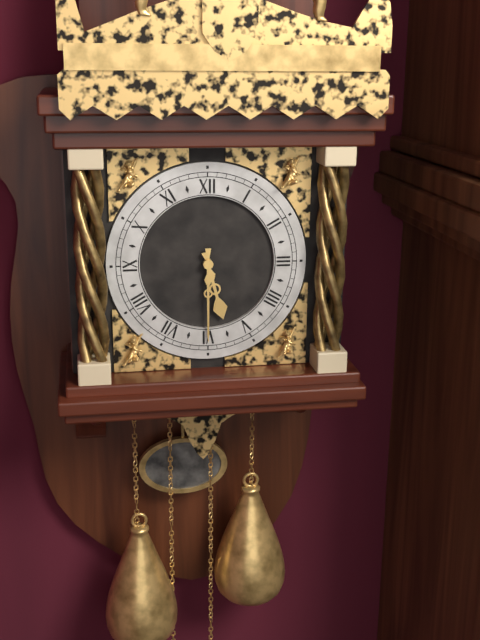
5:30
